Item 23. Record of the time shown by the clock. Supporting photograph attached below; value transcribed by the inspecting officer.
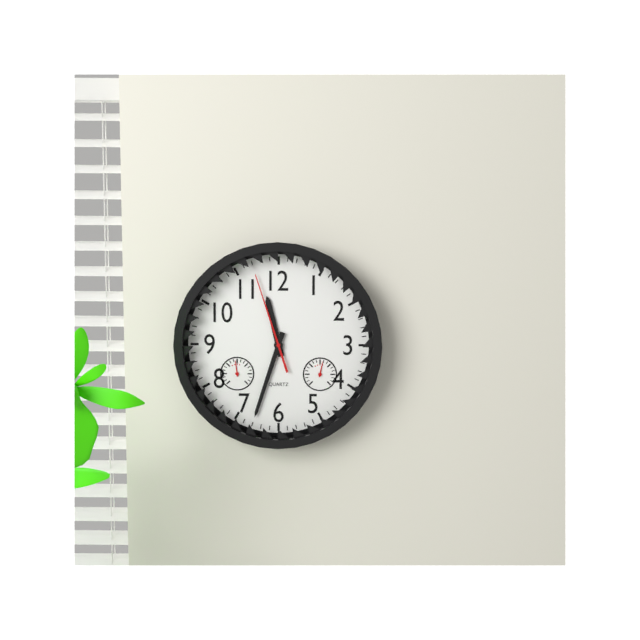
11:33:57
